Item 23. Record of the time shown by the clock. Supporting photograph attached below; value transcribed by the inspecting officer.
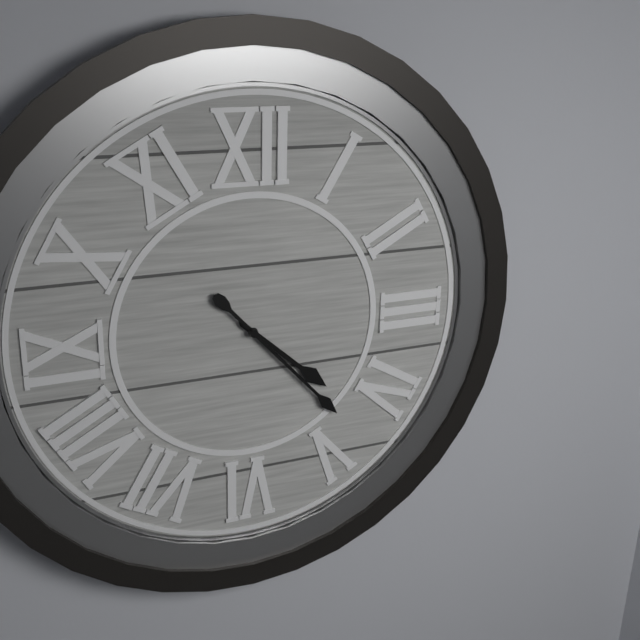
4:23
